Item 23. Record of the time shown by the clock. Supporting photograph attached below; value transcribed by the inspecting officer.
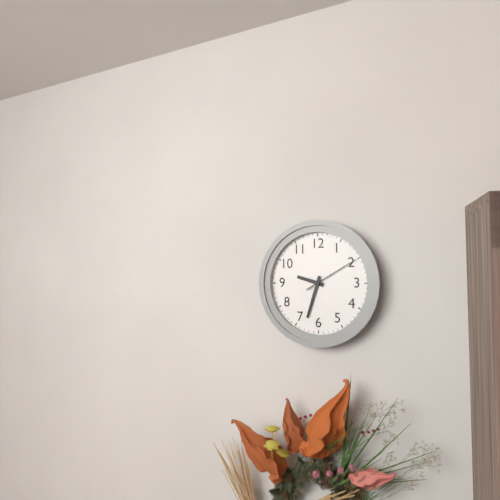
9:33:10
